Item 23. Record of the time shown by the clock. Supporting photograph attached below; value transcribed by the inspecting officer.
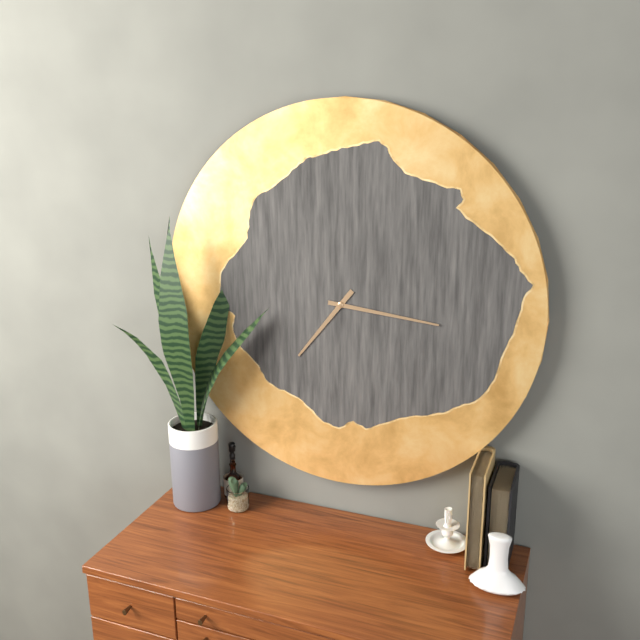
7:16
